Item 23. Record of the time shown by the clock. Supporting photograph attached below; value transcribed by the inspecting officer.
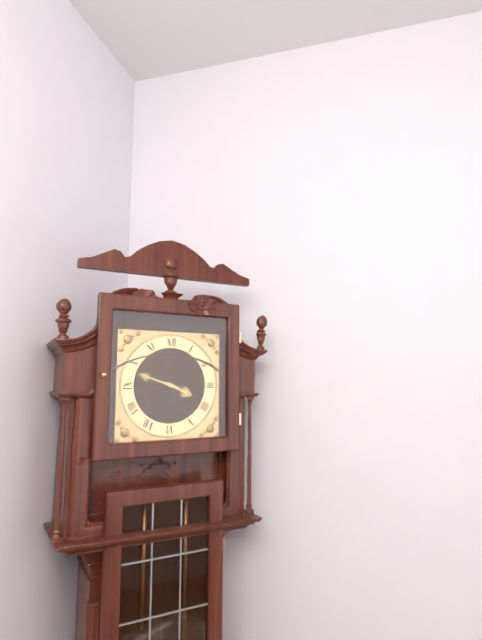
3:48
